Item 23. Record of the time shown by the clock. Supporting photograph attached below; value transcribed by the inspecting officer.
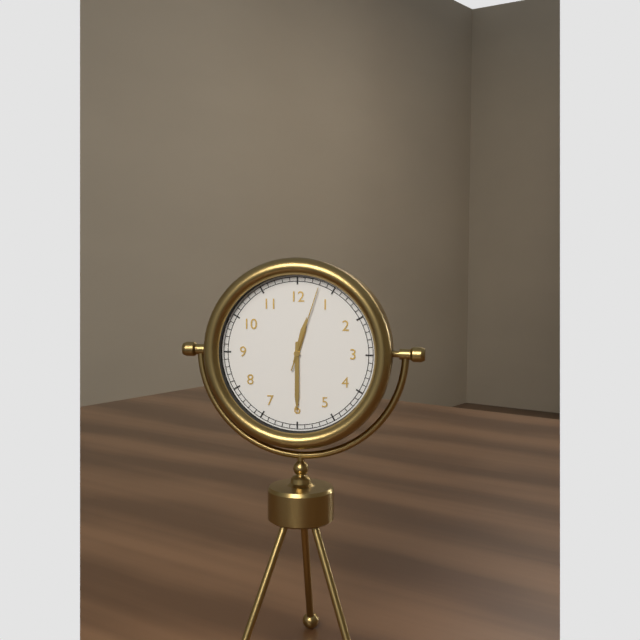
12:30:03
